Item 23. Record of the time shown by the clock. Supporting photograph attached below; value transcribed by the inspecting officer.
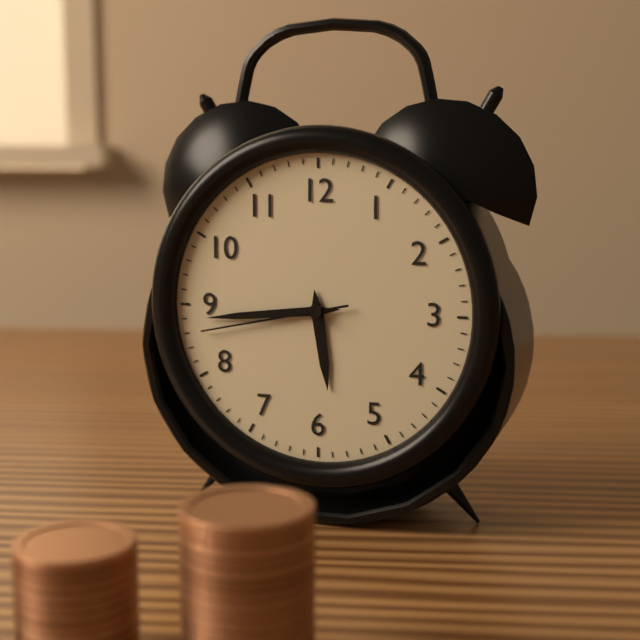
5:44:43
